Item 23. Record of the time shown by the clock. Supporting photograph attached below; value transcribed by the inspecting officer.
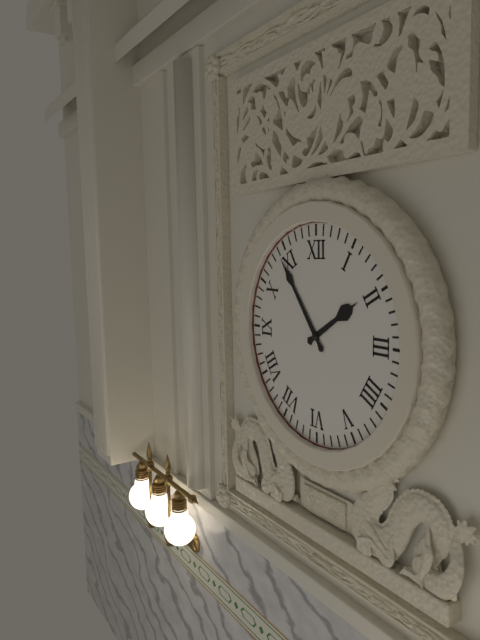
1:54
